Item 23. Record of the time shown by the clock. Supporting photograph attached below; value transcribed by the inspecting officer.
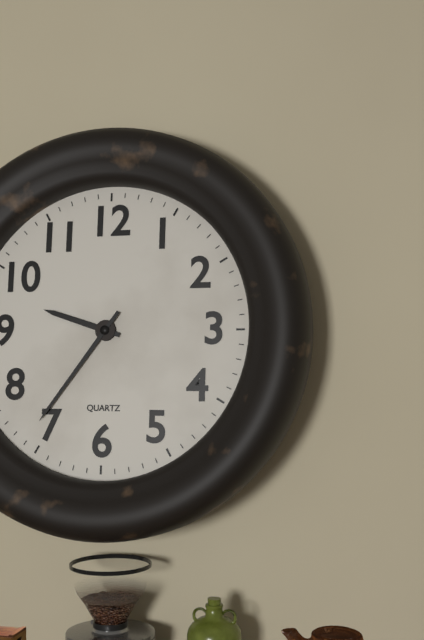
9:36
